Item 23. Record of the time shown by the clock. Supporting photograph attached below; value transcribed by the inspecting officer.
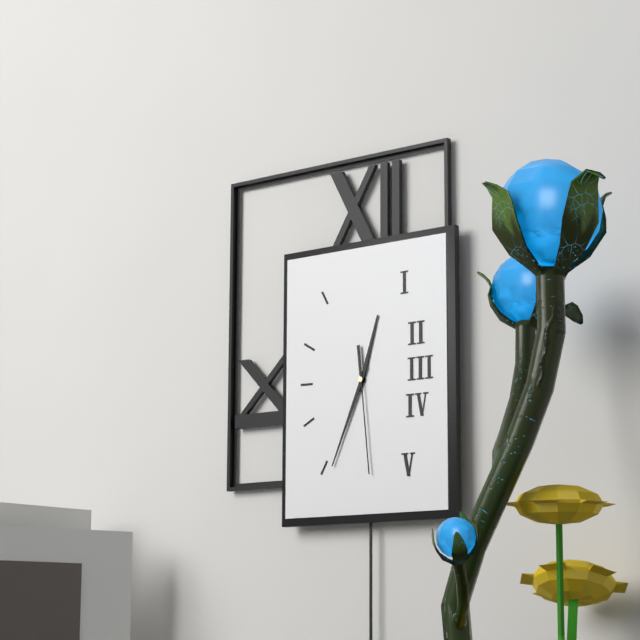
12:34:29
